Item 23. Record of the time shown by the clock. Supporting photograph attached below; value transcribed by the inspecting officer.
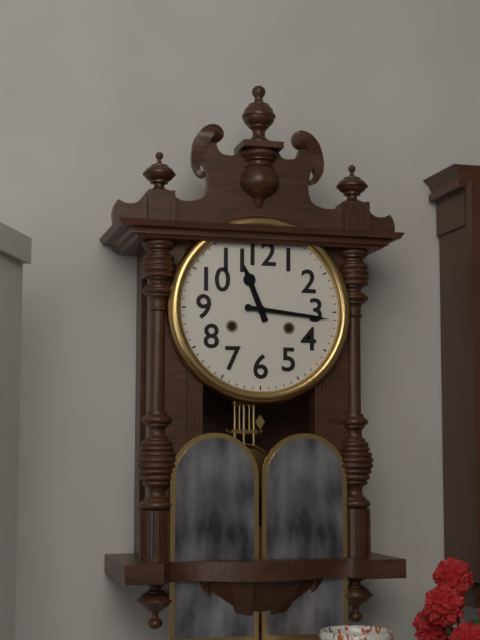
11:16
